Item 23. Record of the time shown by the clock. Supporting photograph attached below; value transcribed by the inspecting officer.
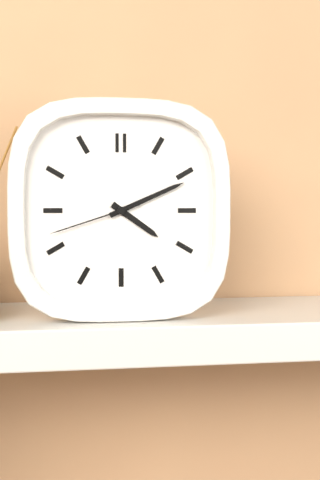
4:11:42
